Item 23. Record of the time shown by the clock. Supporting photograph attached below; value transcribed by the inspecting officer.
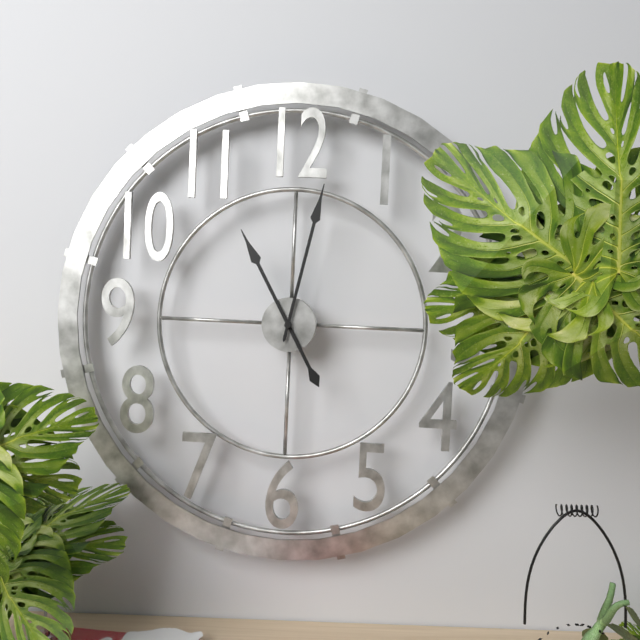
11:02
